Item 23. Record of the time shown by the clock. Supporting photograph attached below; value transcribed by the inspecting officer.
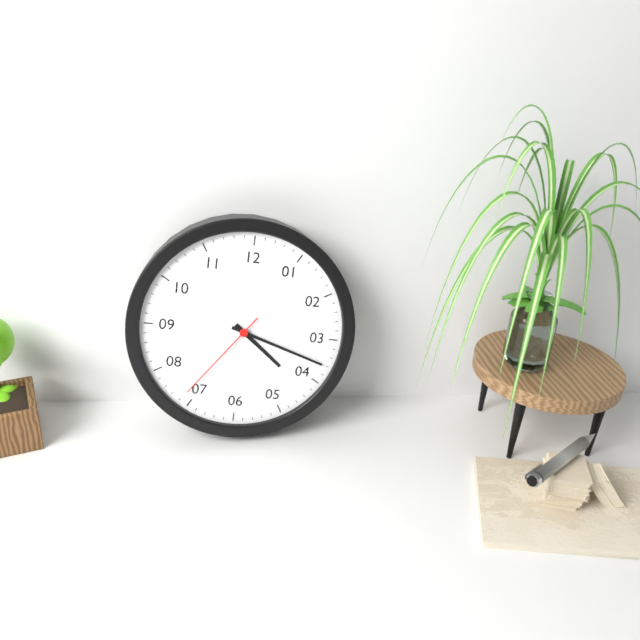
4:18:36
